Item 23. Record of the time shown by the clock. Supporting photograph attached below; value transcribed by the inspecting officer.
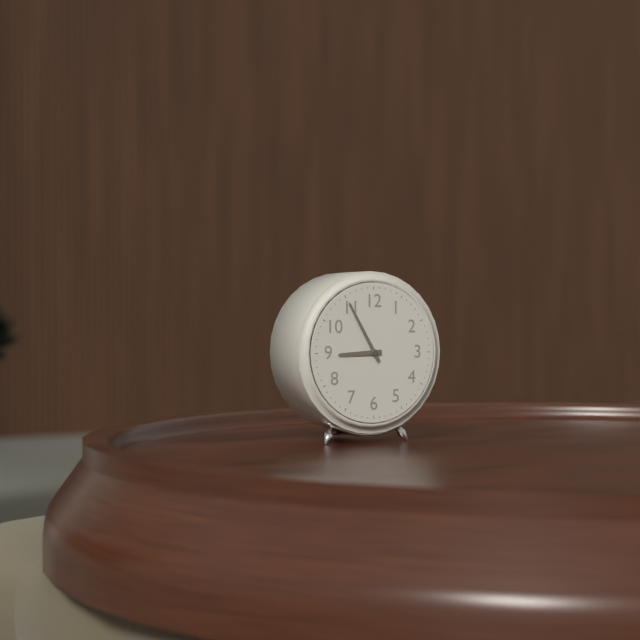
8:55
